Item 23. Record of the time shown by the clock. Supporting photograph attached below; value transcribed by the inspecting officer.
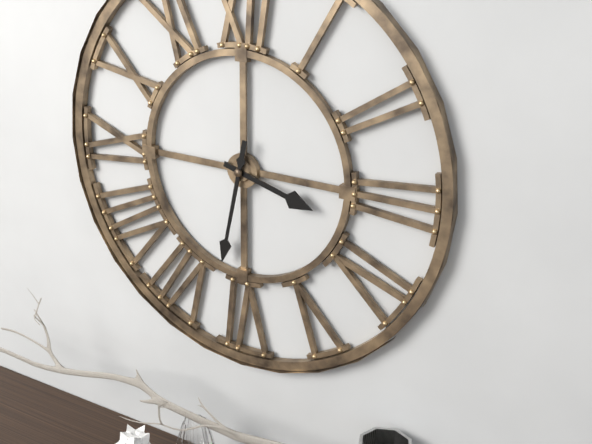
3:32
